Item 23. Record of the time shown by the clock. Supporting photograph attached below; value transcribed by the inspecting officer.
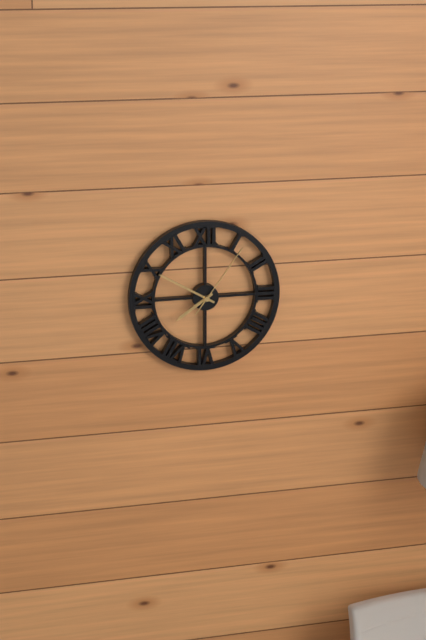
7:50:06
